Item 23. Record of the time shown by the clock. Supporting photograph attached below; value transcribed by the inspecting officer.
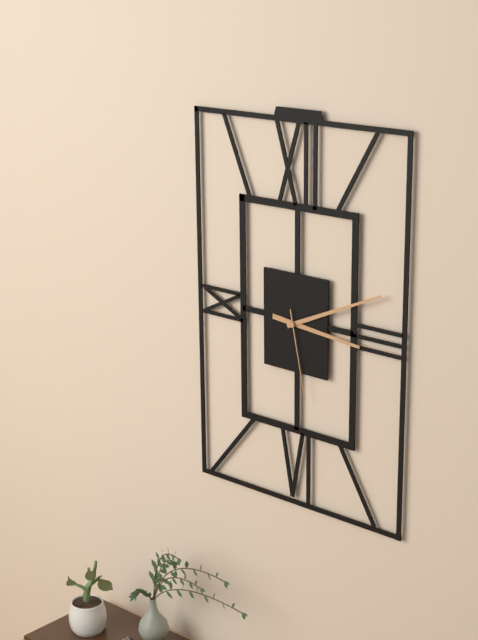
3:11:28
